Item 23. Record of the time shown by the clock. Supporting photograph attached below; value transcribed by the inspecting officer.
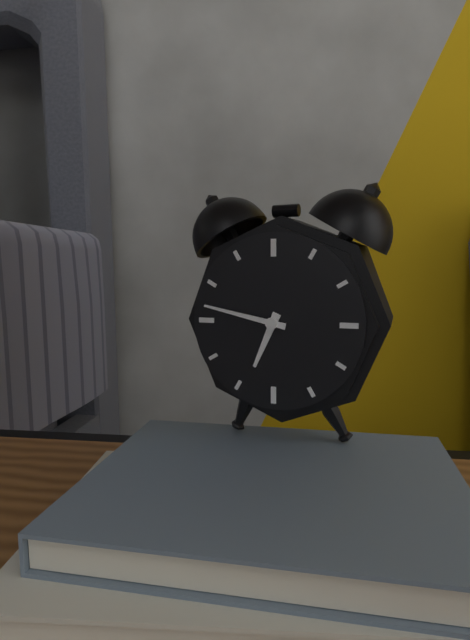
6:47
